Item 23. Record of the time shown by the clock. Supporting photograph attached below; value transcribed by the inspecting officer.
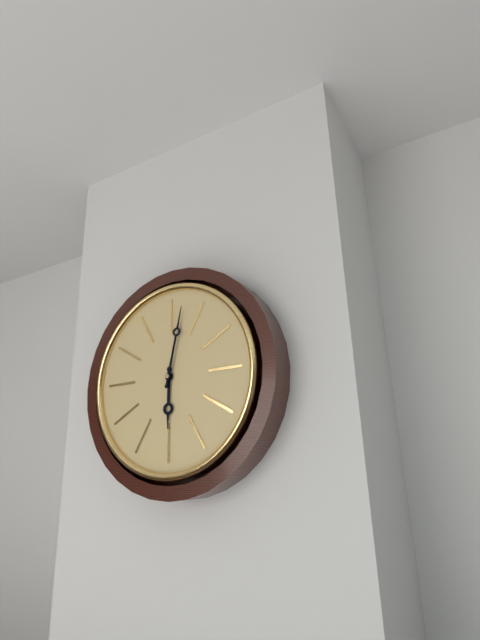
6:02
